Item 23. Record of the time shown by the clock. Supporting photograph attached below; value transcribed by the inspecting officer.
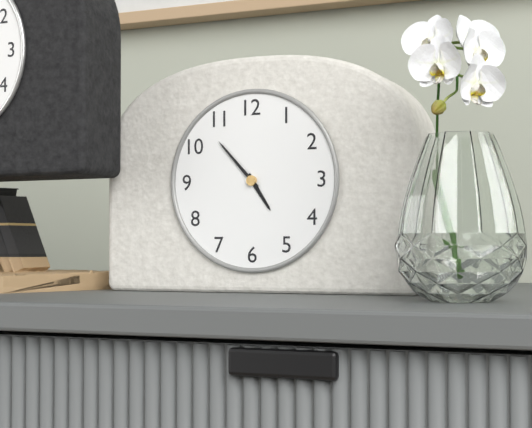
4:53
